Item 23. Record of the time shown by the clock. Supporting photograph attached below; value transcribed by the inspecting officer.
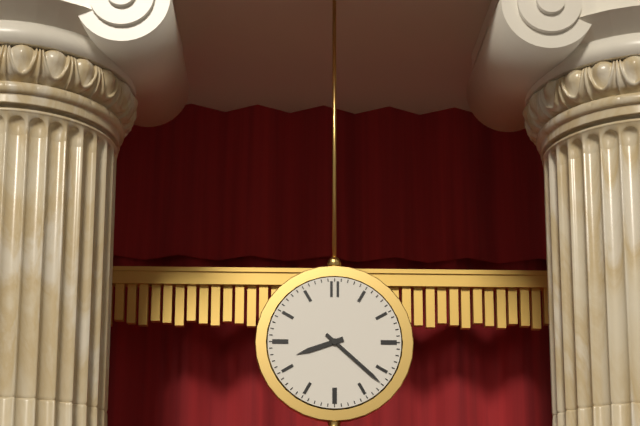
8:22
